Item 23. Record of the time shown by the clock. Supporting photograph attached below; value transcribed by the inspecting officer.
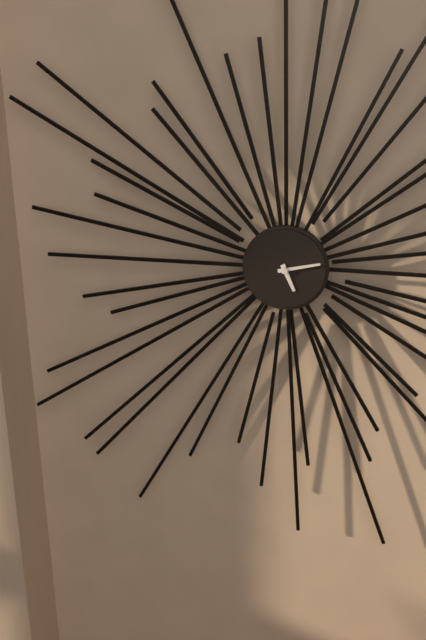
5:13
